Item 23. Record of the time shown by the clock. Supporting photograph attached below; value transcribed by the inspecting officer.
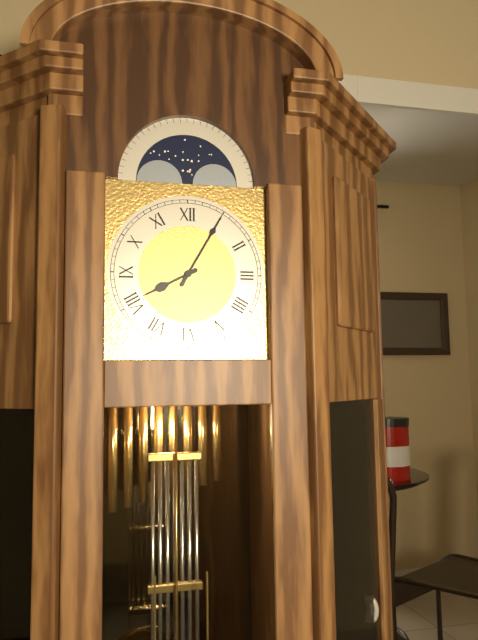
8:05
